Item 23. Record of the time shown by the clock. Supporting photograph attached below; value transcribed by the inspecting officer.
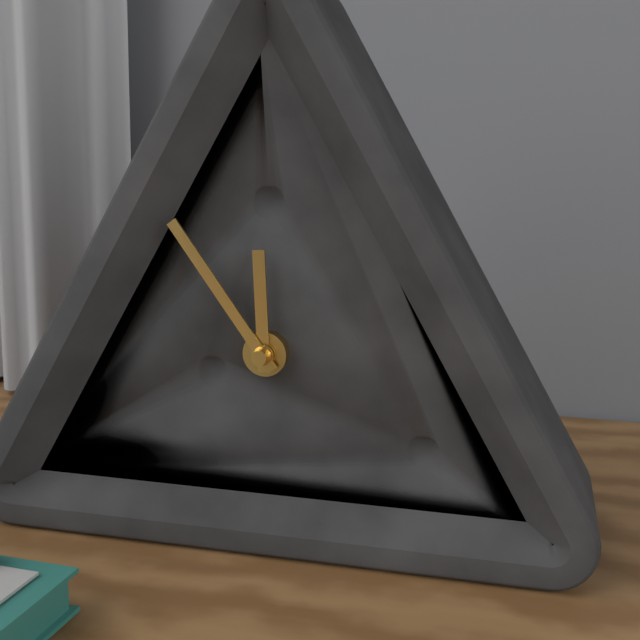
11:54
